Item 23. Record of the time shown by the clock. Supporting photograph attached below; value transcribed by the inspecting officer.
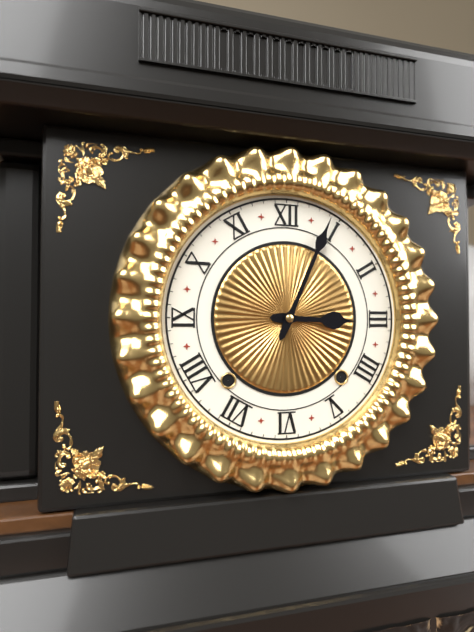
3:04
